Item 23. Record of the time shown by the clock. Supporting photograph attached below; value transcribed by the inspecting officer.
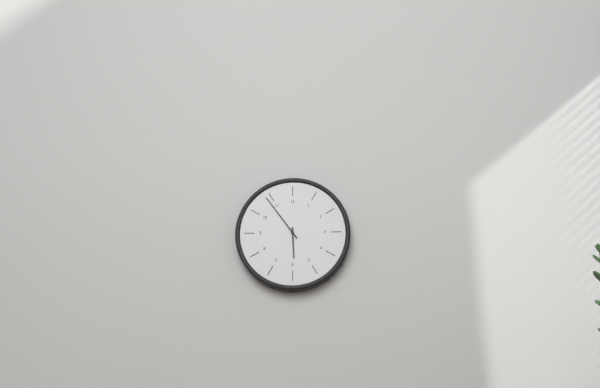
5:54
